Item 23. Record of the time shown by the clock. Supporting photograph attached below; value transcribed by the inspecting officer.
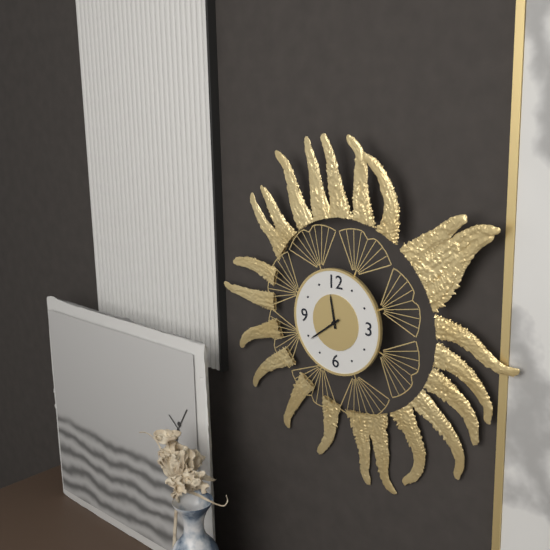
11:39
